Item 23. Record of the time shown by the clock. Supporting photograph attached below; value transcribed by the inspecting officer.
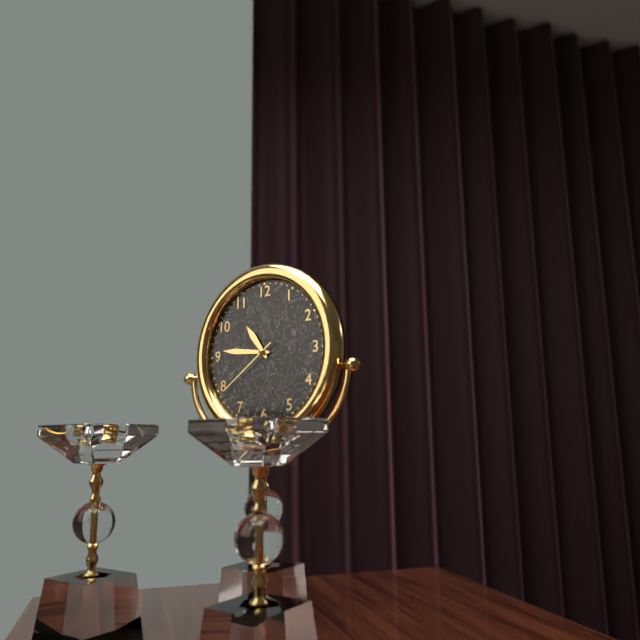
10:46:39
